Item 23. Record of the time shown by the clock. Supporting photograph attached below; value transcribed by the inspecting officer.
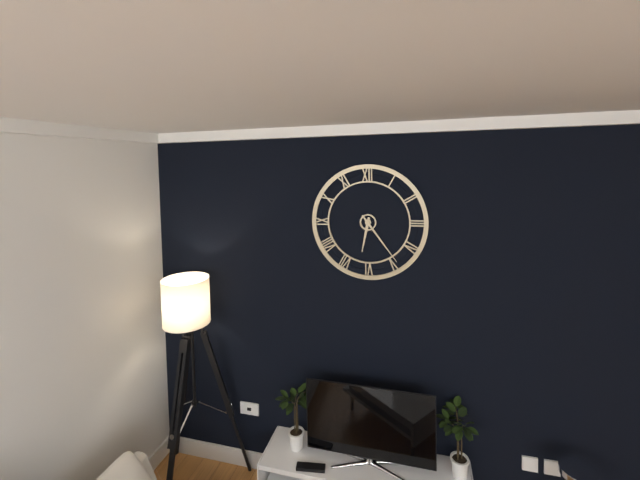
6:24
